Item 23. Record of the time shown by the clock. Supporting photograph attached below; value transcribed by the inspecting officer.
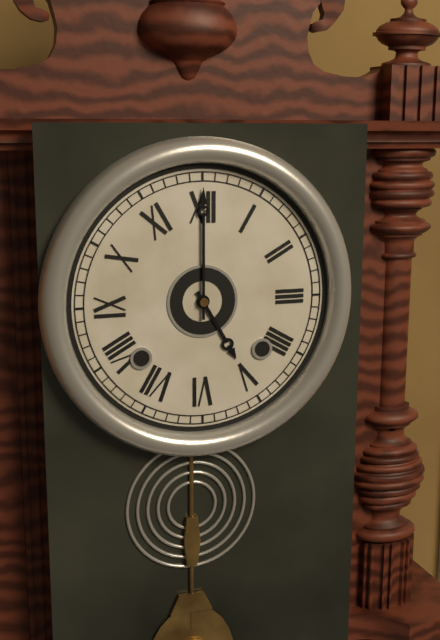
5:00
